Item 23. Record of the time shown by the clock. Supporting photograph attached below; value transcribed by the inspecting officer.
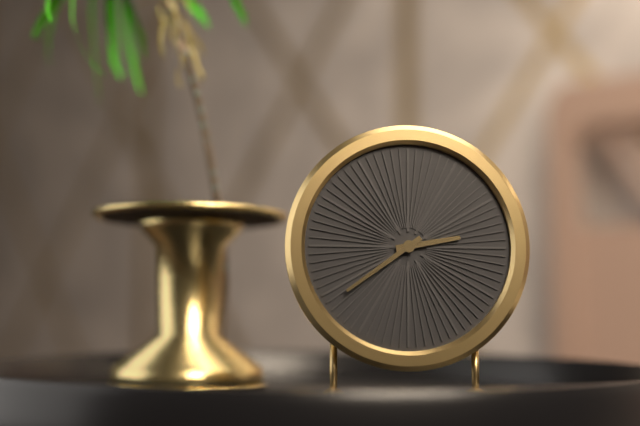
2:39
